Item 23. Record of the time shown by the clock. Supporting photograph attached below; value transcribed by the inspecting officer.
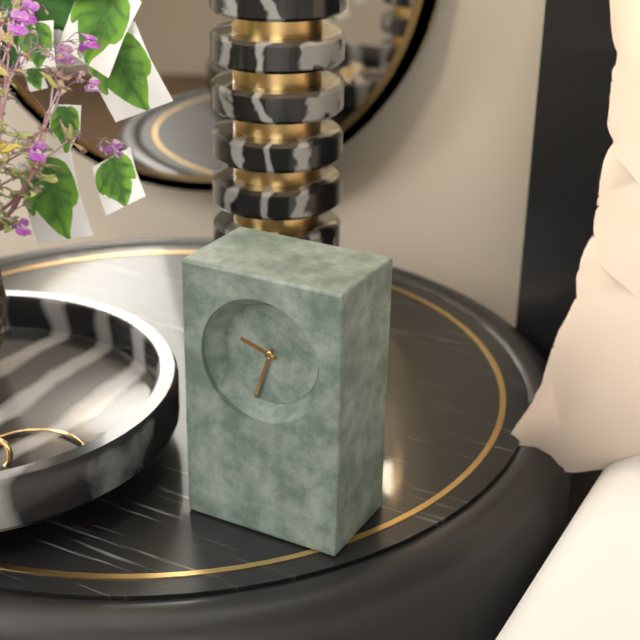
9:33
